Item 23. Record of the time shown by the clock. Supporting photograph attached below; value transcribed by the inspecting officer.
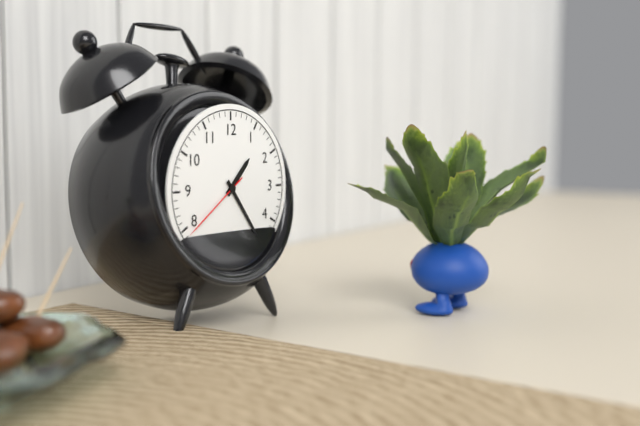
1:24:39
